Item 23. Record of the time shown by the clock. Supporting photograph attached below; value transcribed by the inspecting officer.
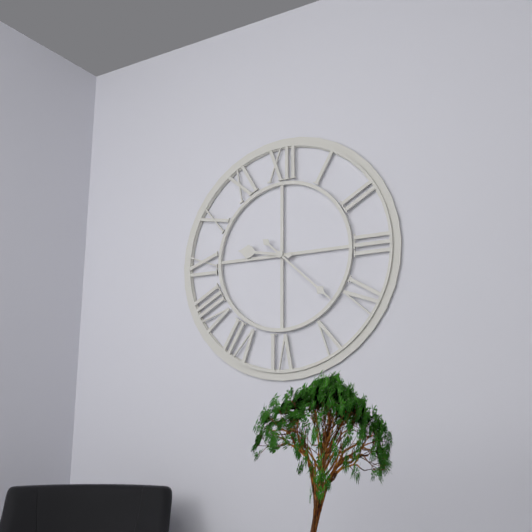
9:22
